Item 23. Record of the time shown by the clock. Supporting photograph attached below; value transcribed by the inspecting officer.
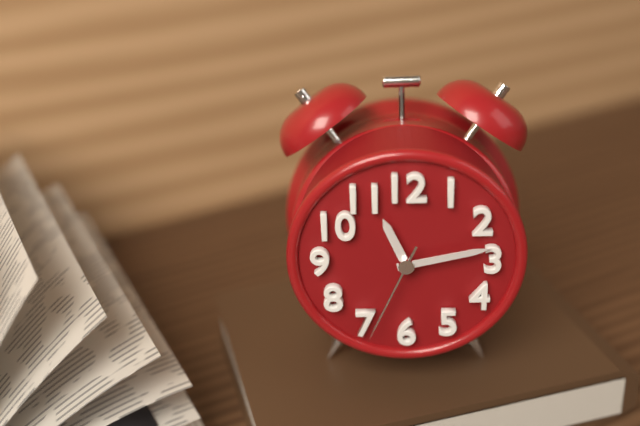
11:13:34
